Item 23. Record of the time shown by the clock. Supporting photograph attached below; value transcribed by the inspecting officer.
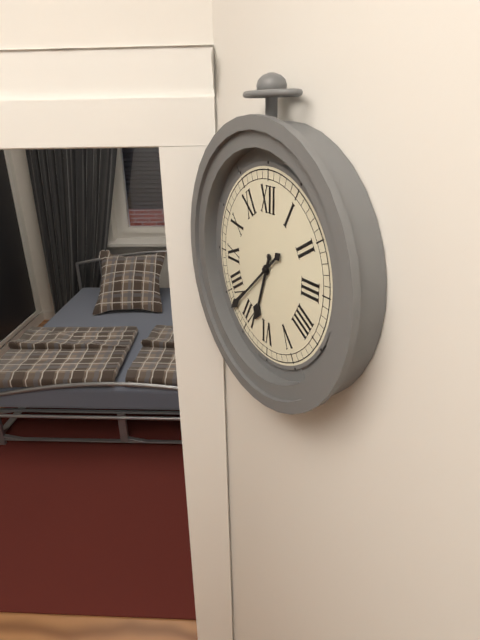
6:38
